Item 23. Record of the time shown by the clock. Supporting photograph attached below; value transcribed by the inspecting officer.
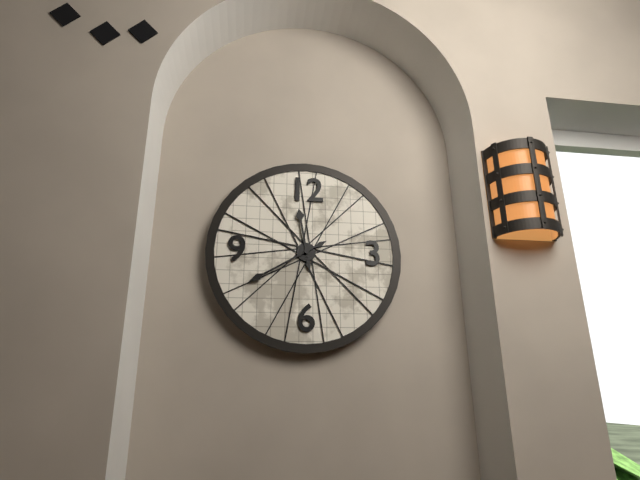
11:40
